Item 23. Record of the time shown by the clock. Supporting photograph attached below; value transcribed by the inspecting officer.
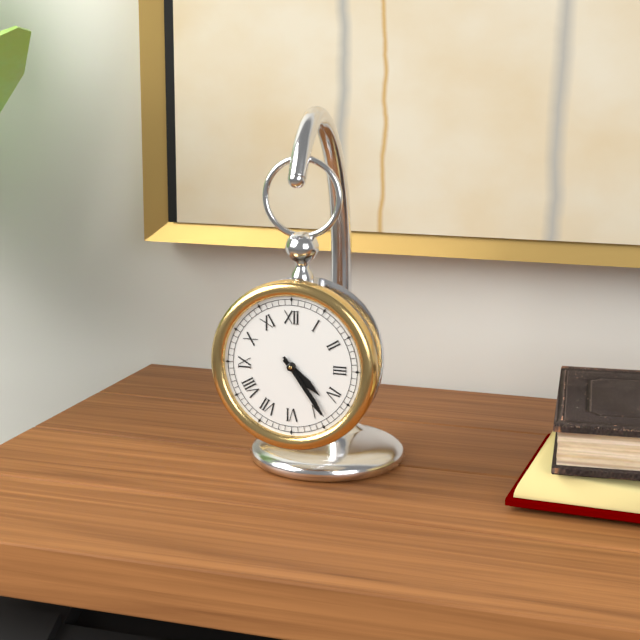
4:24
